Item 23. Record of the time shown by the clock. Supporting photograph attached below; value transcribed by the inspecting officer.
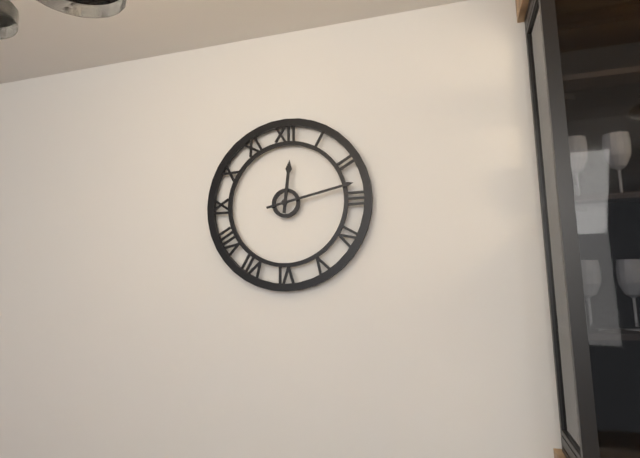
12:13
